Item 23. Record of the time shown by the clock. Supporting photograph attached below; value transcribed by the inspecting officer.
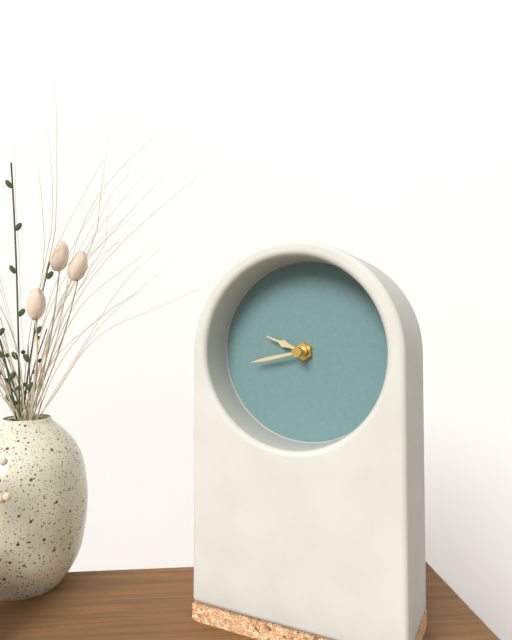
9:43
